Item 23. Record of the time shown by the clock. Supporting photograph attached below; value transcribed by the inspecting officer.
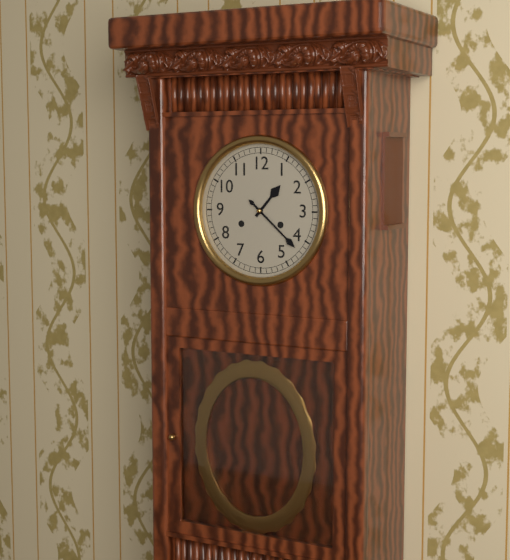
1:22
